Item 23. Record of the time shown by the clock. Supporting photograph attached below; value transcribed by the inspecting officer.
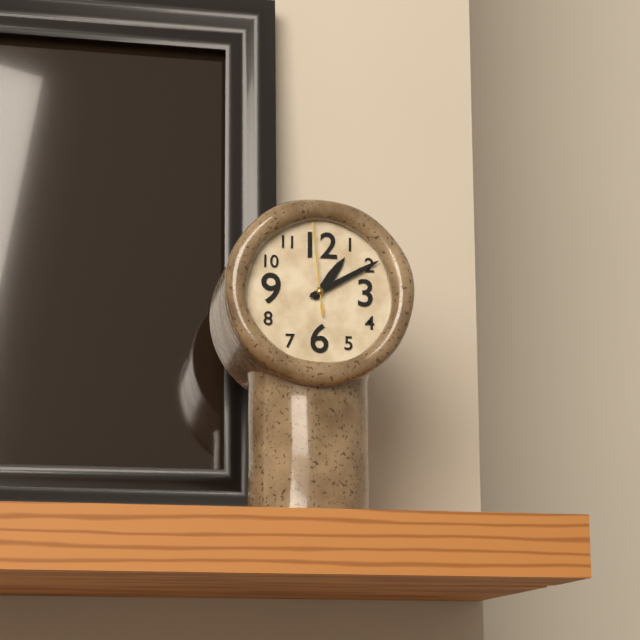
1:10:59
